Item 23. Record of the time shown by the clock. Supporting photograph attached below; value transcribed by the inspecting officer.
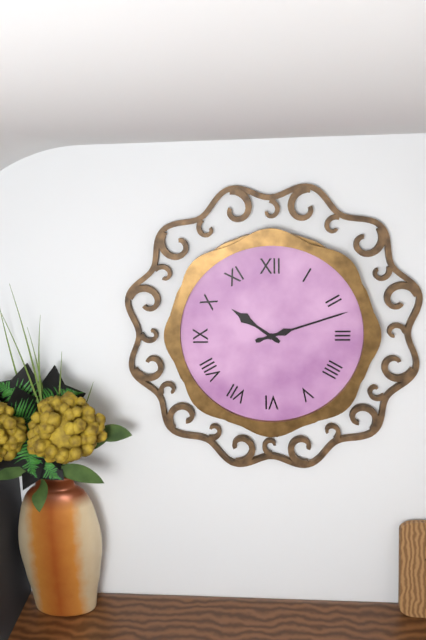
10:12
